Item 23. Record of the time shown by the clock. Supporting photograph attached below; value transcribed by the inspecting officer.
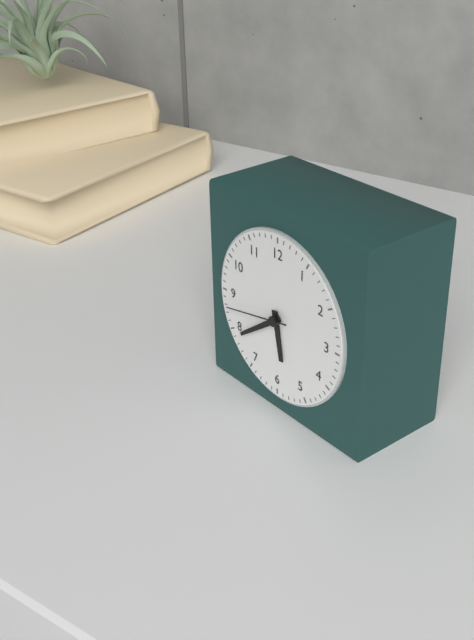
5:39:43
